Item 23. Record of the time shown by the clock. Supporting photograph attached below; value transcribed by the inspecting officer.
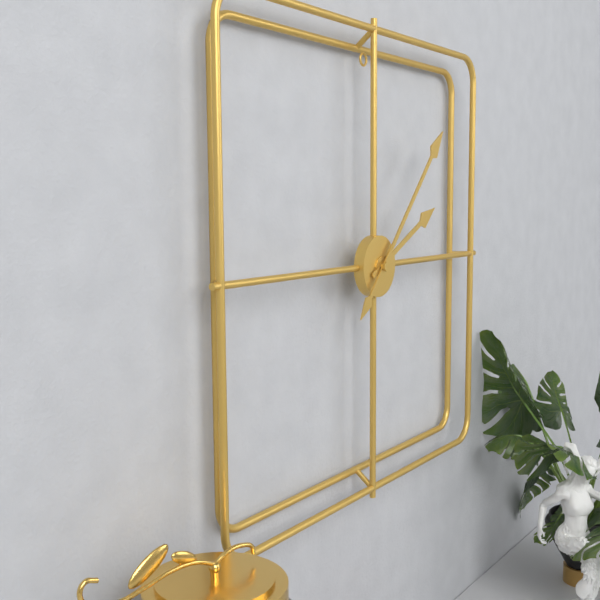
2:07
